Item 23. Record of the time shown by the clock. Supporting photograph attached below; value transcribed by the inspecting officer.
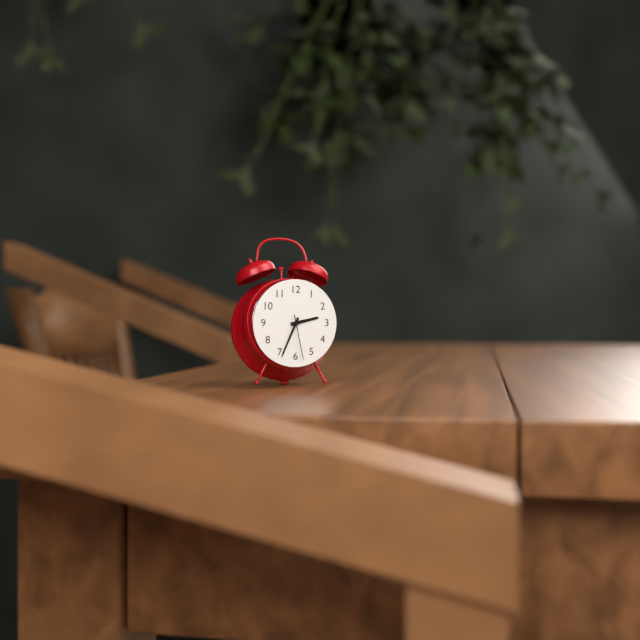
2:34
